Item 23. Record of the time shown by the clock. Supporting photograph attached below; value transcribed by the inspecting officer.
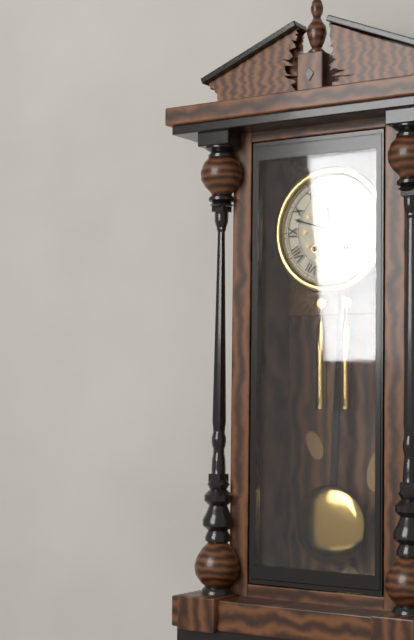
11:48
